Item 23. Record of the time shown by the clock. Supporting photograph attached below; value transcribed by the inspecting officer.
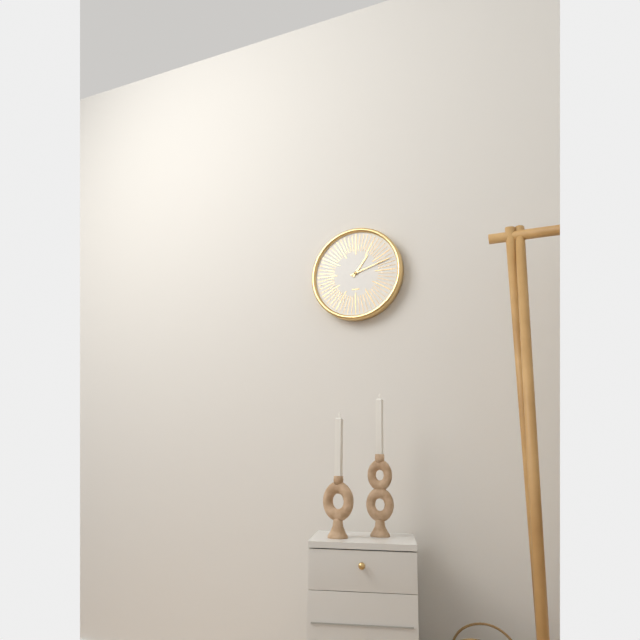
1:12
